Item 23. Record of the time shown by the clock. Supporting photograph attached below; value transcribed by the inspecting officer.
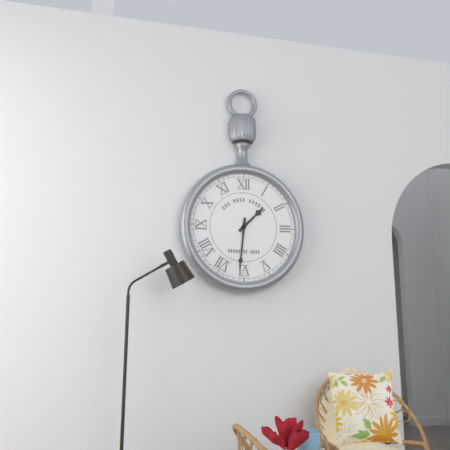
1:31
